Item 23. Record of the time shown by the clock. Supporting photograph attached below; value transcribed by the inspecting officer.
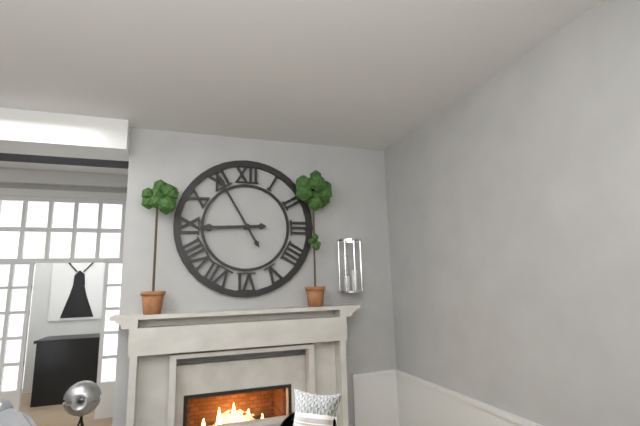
8:55
